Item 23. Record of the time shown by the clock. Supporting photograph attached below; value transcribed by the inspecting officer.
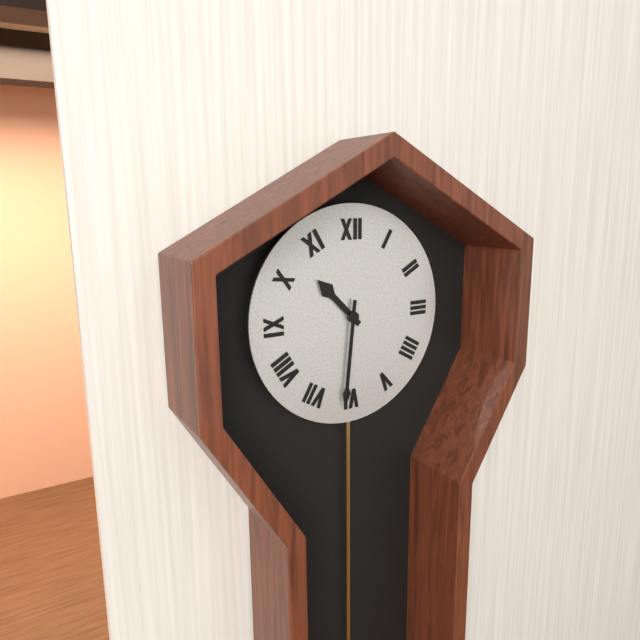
10:31
